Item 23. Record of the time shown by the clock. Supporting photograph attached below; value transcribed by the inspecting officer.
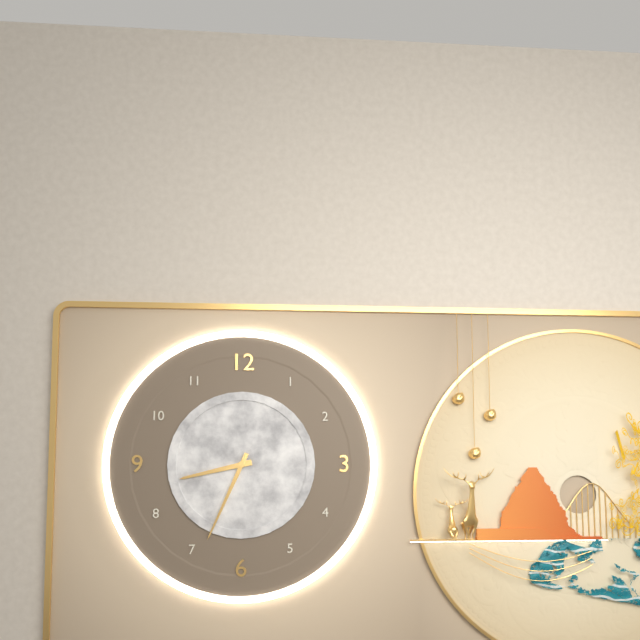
8:34
